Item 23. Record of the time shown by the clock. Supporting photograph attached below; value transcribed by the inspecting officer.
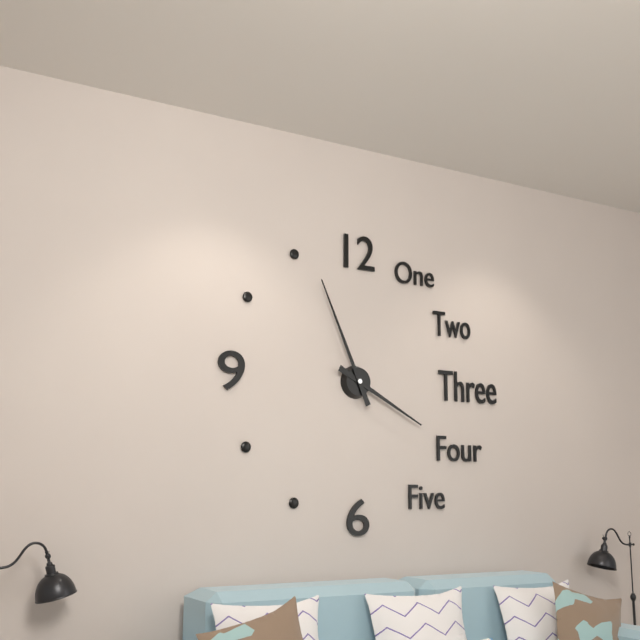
3:56
